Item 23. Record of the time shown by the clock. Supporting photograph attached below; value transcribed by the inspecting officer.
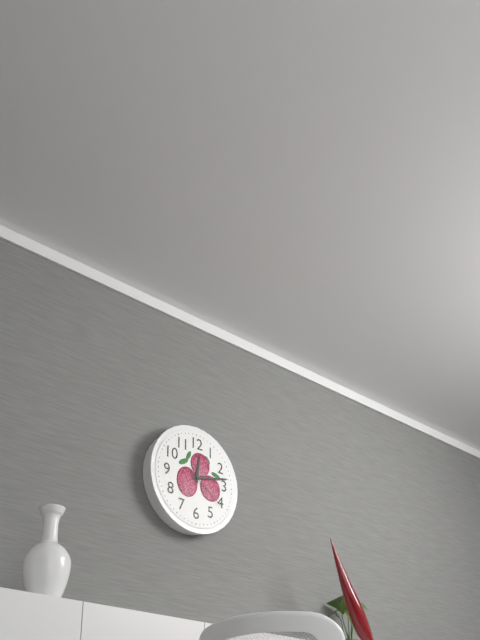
12:13
